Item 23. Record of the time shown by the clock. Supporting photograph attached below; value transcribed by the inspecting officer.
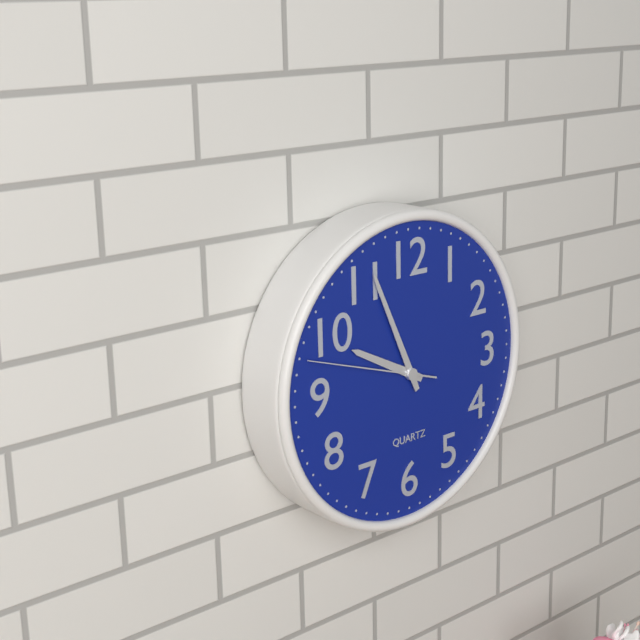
9:56:48
